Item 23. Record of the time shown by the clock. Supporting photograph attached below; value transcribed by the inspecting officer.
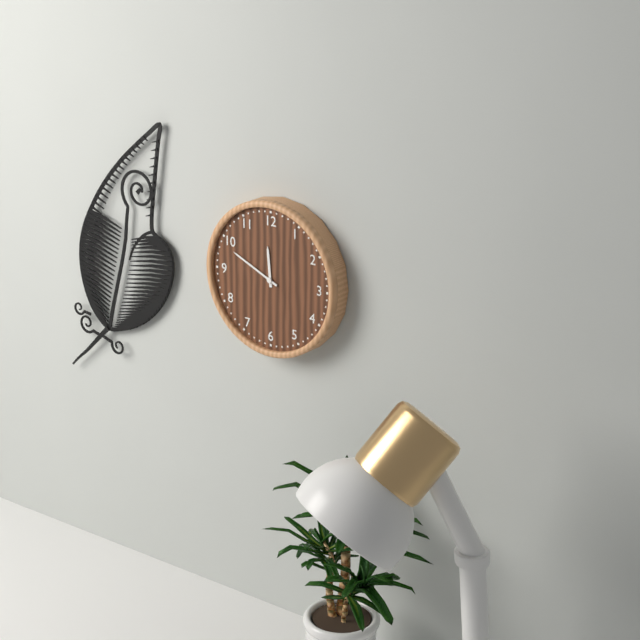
11:49
